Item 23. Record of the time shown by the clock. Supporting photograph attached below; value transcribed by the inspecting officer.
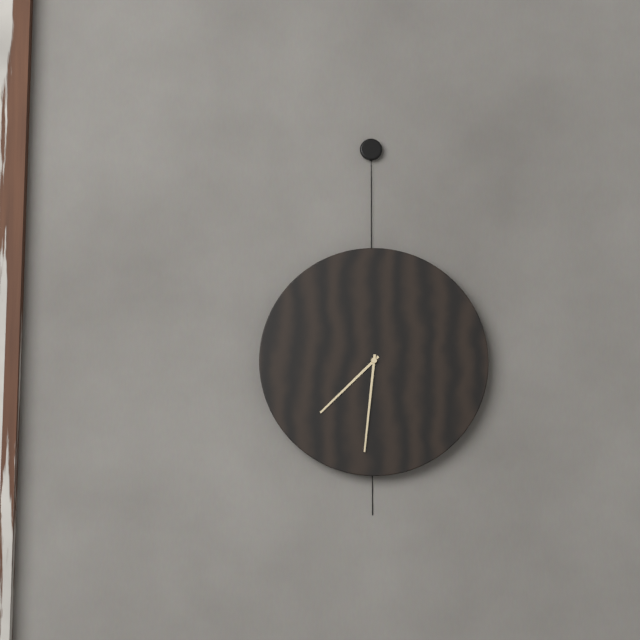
7:31
